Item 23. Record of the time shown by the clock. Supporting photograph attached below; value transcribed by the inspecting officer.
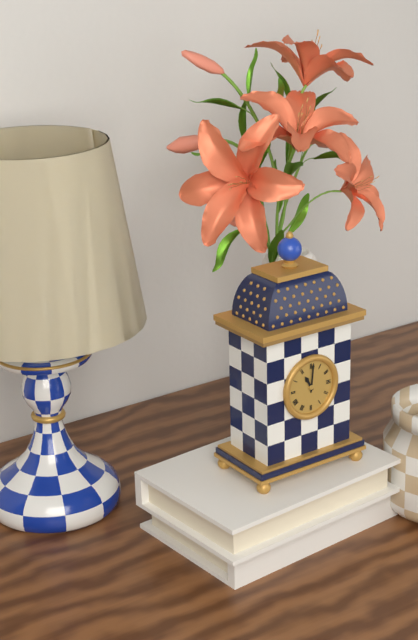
11:01
